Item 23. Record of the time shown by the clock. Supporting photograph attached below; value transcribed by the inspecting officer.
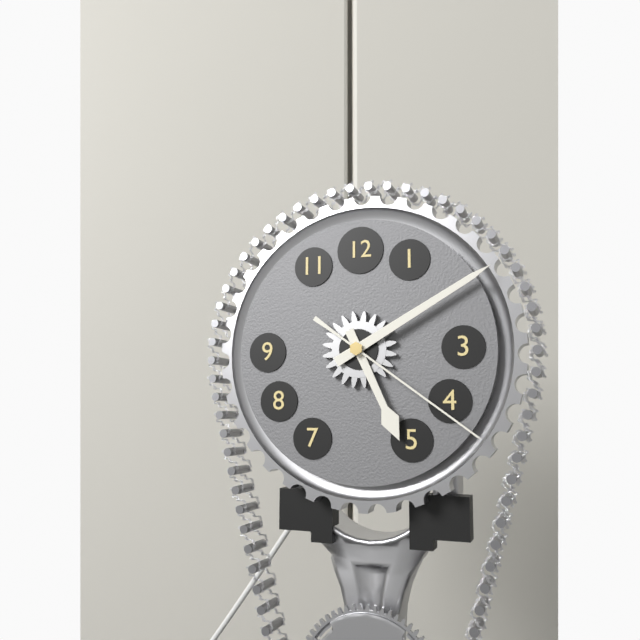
5:10:21
